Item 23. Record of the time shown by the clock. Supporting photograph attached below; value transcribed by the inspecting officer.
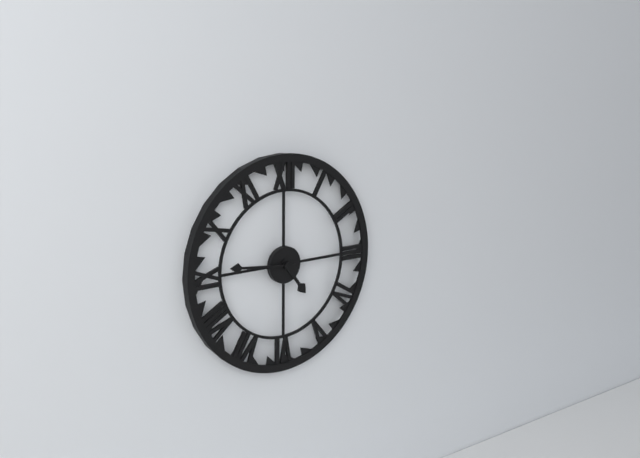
4:46
